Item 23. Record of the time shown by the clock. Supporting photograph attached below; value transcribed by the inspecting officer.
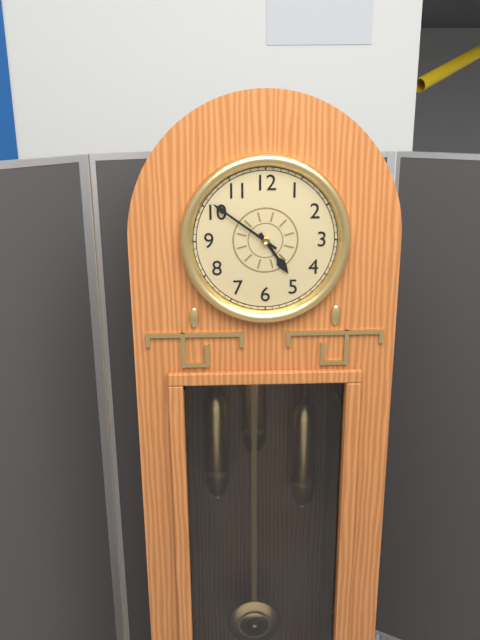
4:51
